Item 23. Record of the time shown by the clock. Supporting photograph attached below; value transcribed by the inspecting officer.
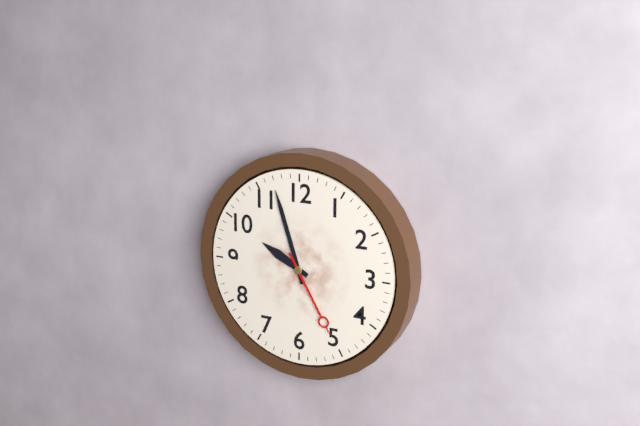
9:57:25
